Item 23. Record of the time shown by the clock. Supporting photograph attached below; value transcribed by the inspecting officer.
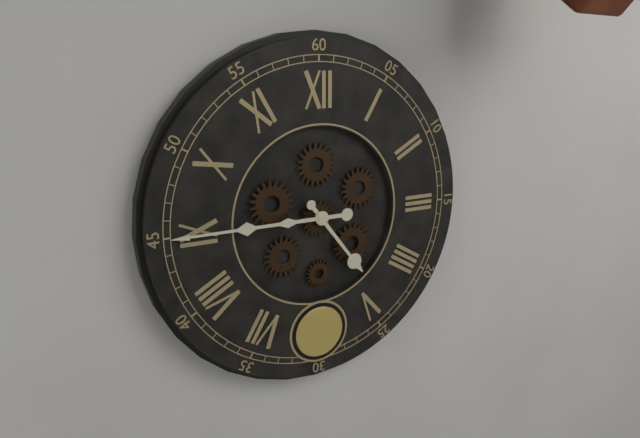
4:45
